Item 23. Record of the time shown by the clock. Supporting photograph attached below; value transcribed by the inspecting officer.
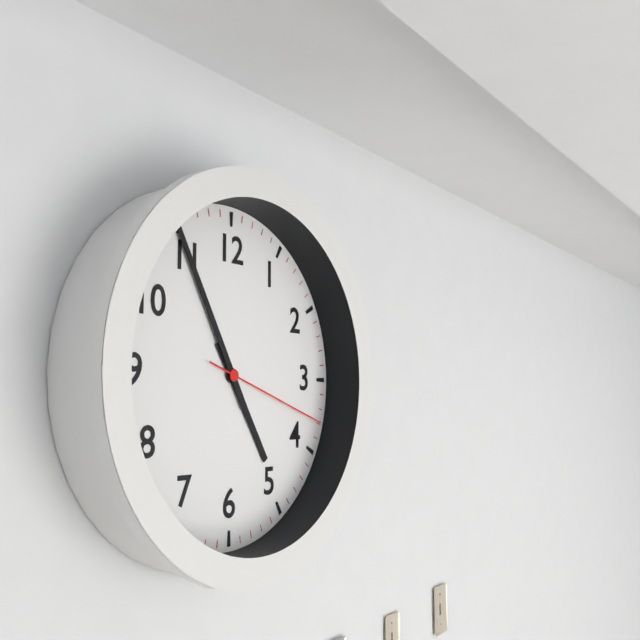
4:55:18
